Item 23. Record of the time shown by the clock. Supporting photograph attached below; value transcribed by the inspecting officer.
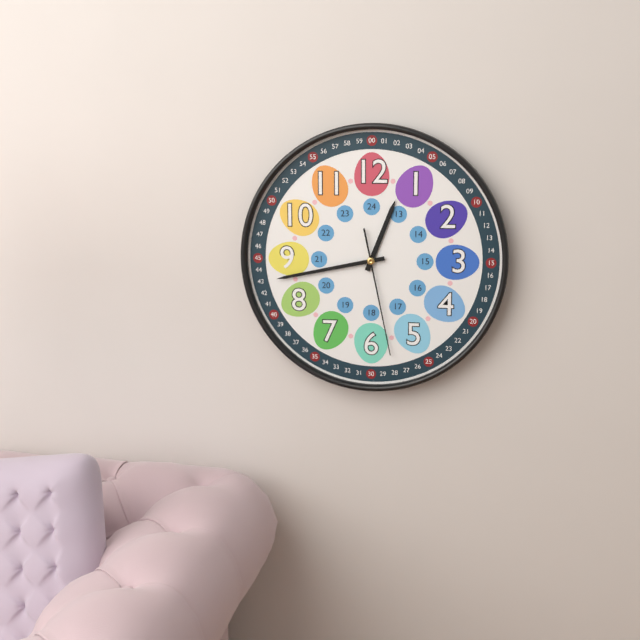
12:43:28
